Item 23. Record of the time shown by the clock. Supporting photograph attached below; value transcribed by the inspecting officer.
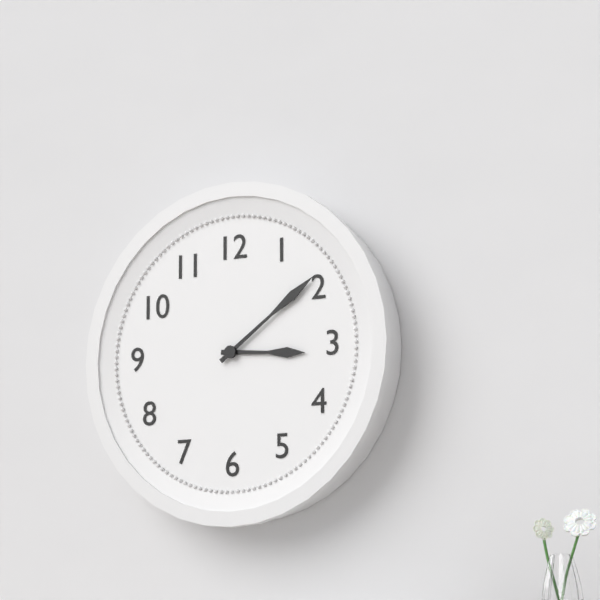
3:09
